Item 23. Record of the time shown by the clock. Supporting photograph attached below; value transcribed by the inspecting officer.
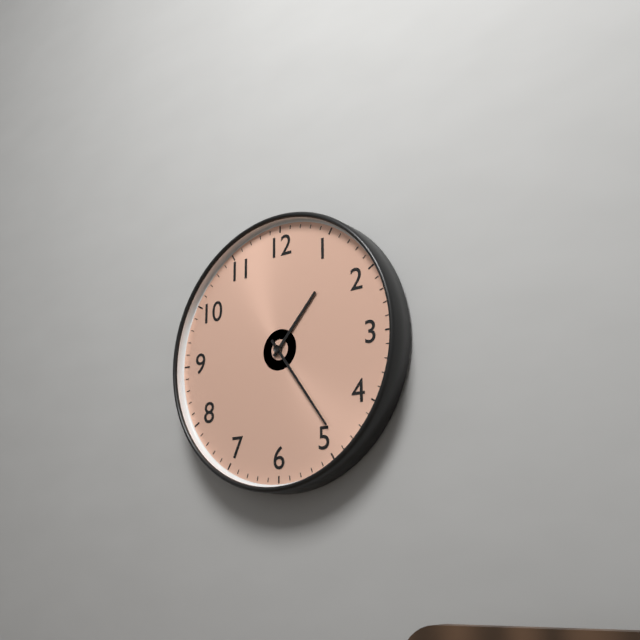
1:24
